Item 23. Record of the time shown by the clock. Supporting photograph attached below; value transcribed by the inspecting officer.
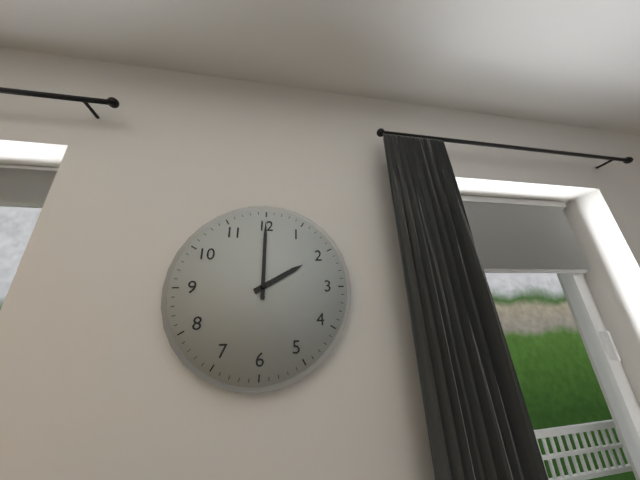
2:00
